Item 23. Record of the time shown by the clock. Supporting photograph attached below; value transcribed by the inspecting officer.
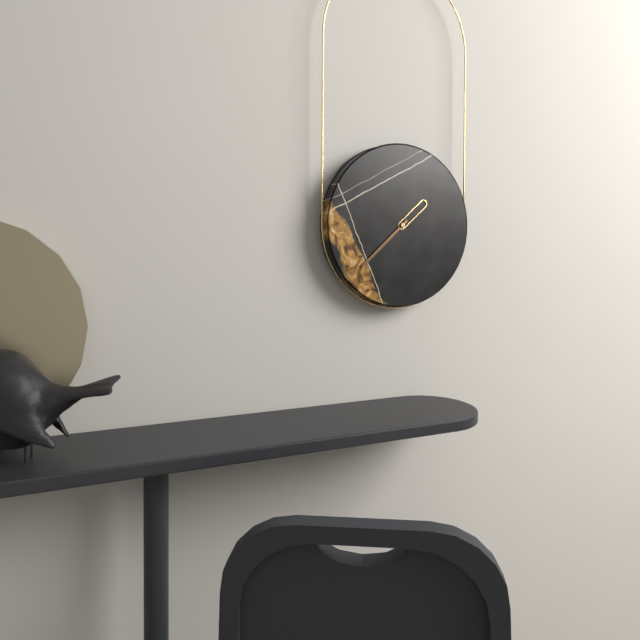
1:38
